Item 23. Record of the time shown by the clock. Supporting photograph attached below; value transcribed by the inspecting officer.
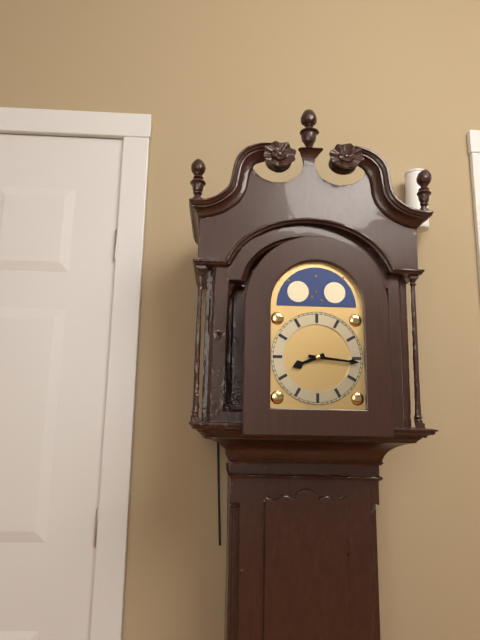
8:16
